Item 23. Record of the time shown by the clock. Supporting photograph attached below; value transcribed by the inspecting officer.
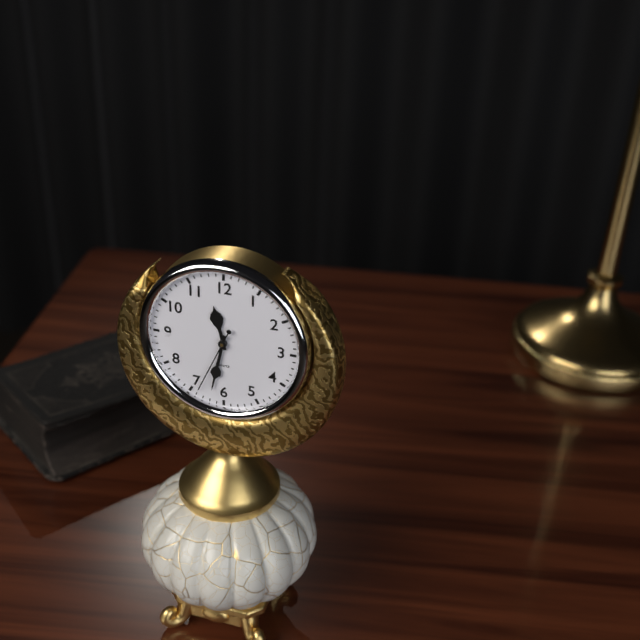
11:32:34
